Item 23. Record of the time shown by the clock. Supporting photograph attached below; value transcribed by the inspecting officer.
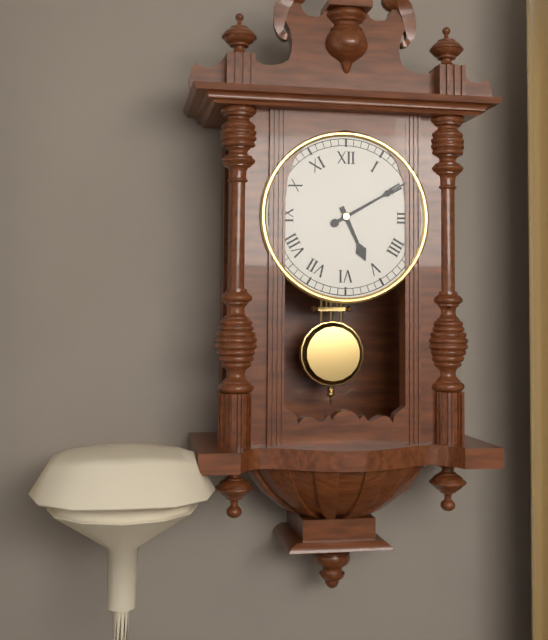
5:10
